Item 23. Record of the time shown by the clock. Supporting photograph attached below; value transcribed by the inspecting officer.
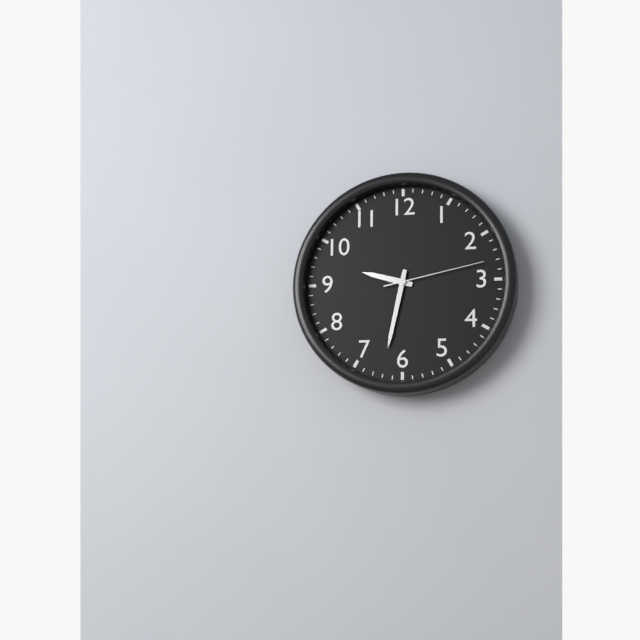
9:32:13
